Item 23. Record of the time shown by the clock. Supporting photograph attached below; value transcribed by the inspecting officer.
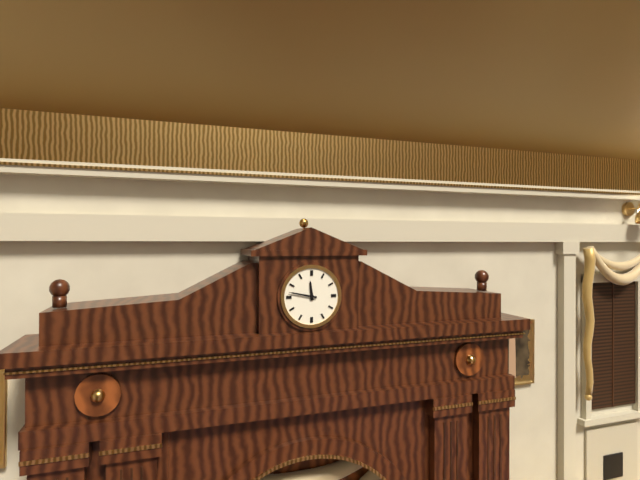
11:47
